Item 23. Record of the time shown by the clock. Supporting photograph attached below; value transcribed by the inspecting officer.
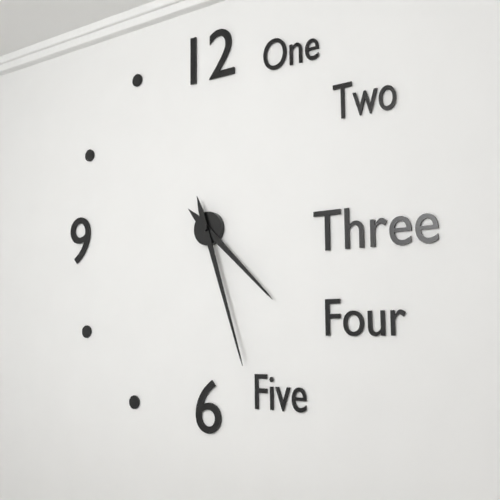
4:27
